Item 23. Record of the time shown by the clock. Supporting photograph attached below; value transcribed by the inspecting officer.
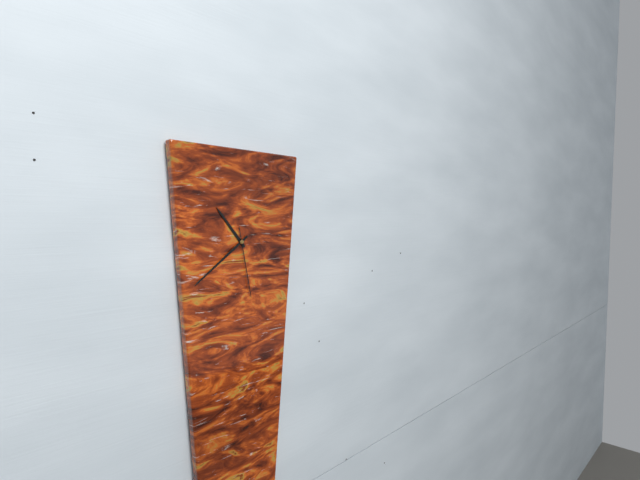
10:39:28
